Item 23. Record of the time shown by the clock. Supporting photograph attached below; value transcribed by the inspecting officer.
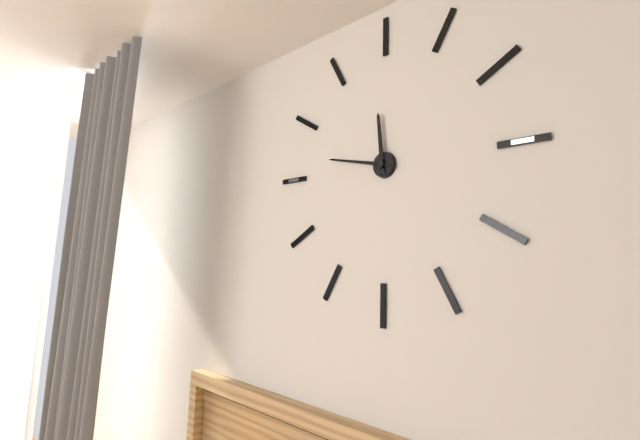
11:47
